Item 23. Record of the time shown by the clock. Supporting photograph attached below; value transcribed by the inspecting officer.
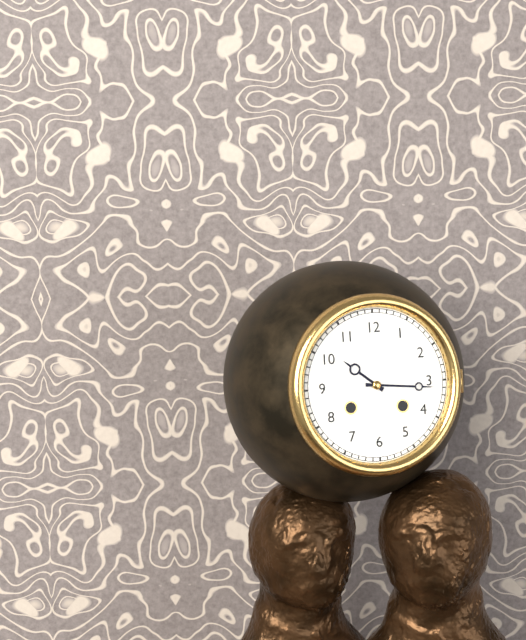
10:16
